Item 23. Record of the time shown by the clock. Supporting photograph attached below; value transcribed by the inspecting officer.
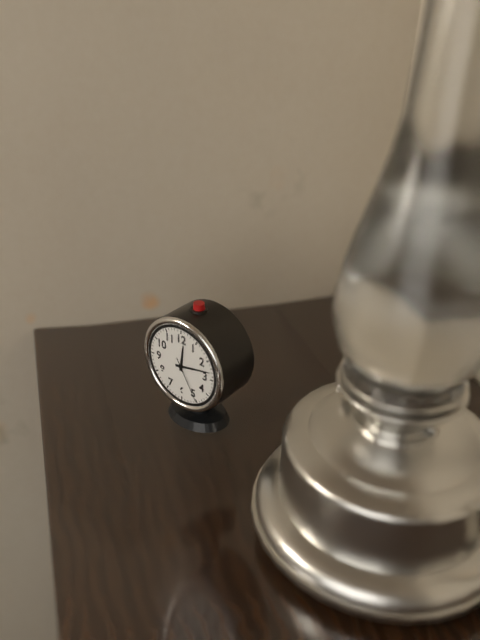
12:13:25
